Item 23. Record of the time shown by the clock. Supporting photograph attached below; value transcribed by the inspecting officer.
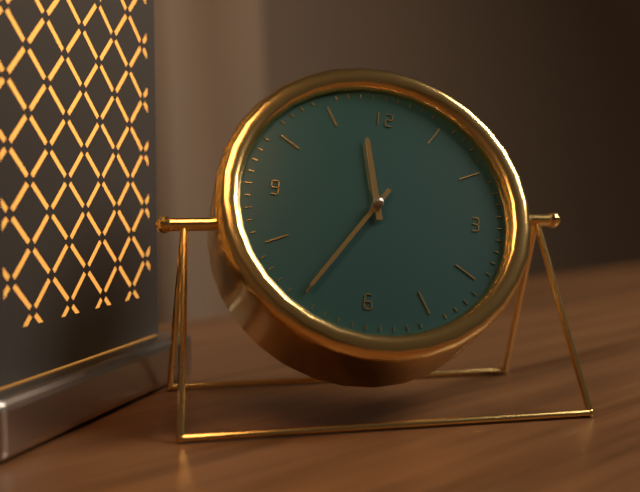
11:35
